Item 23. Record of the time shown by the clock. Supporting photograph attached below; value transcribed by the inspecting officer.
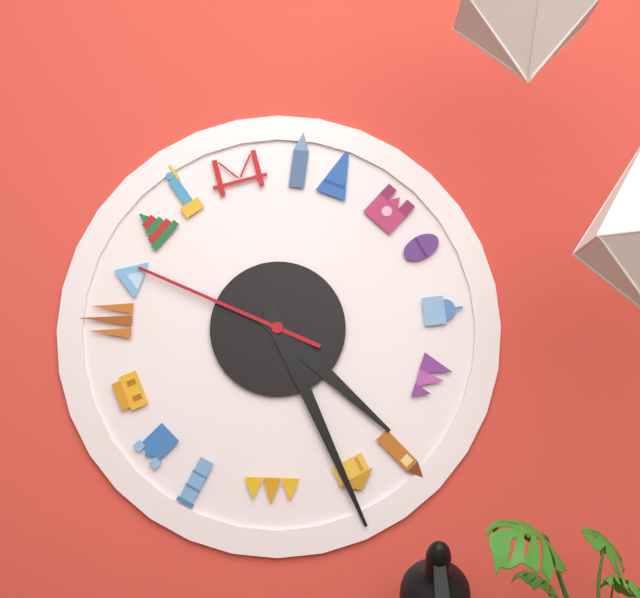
4:26:49
